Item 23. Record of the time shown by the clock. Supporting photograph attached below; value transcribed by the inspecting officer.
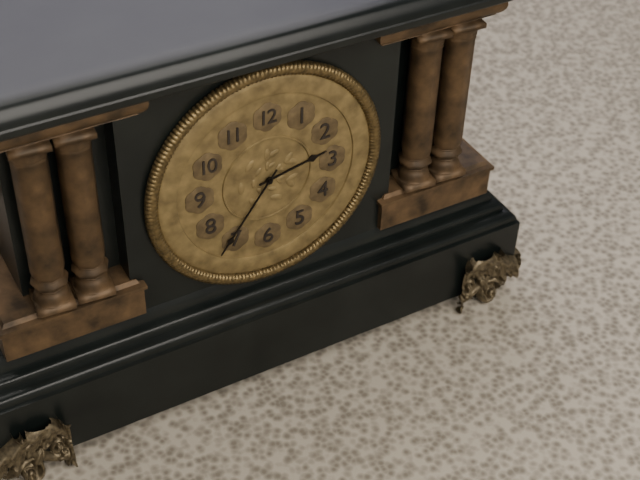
2:36
